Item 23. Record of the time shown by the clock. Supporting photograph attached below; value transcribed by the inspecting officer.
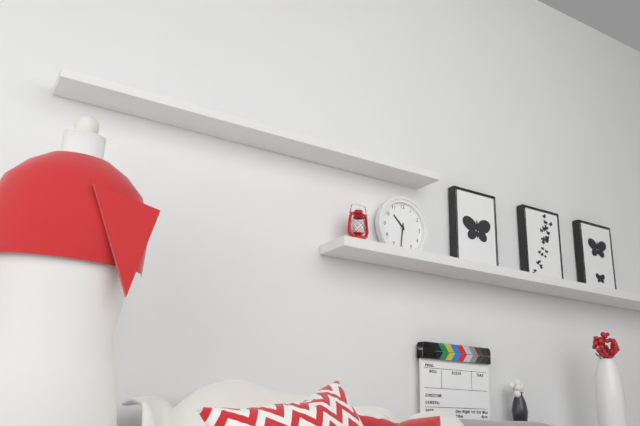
10:31
